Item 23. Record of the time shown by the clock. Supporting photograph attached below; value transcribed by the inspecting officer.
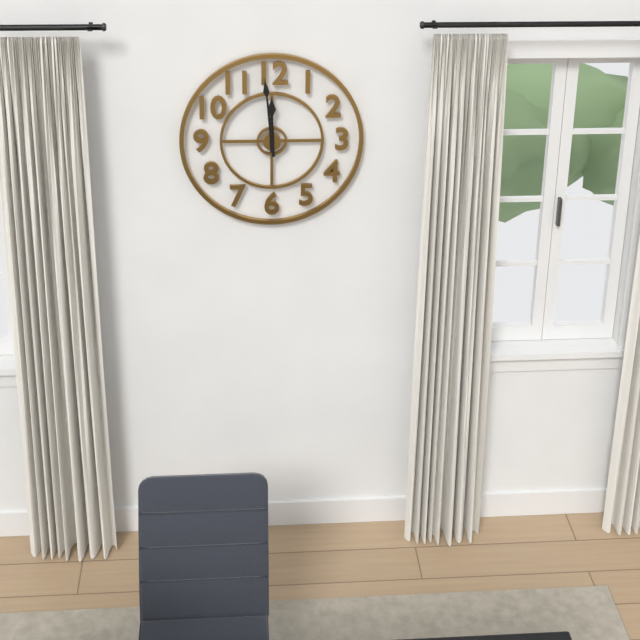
11:59
